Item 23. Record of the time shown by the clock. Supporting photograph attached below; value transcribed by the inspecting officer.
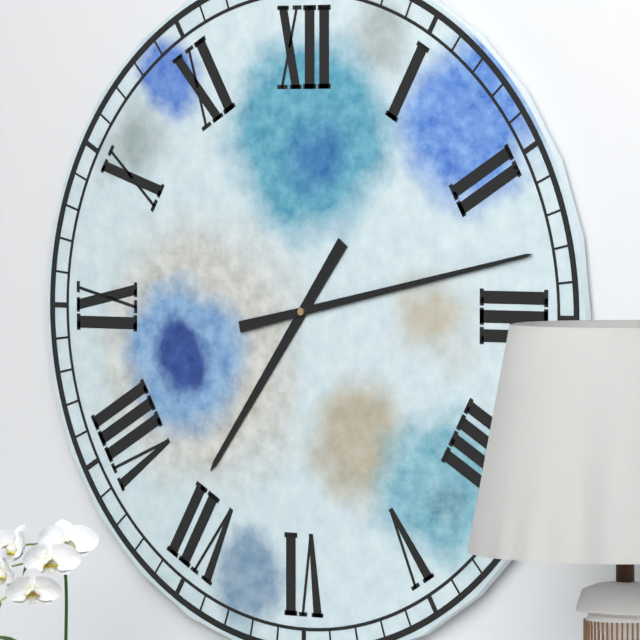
7:13
